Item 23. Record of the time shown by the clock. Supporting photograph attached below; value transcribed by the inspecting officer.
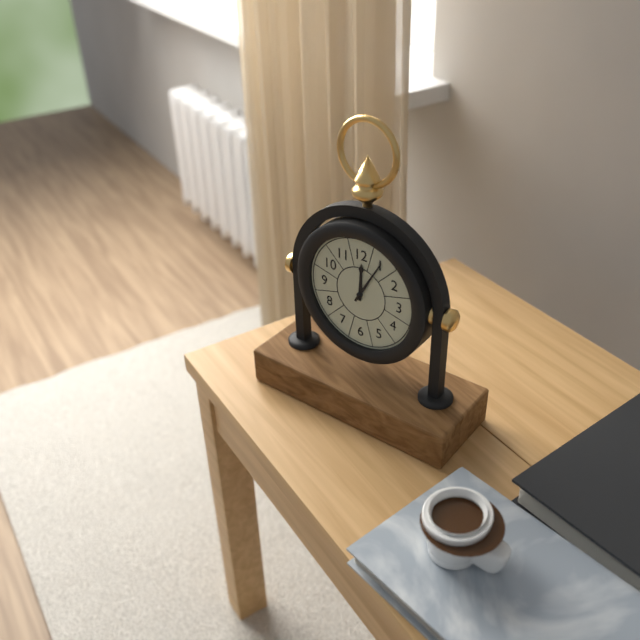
12:05
